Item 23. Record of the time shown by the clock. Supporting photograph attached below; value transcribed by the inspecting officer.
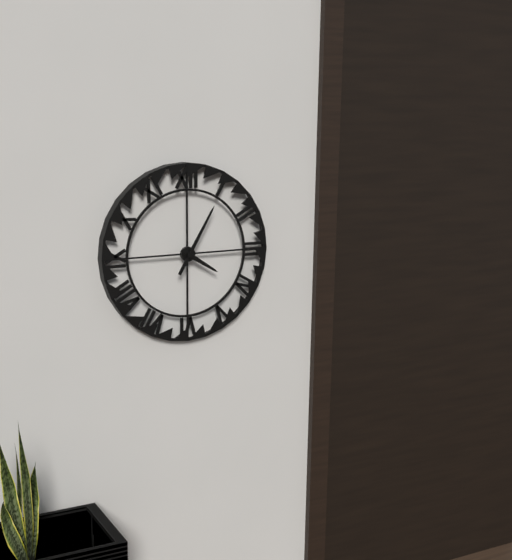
4:05
